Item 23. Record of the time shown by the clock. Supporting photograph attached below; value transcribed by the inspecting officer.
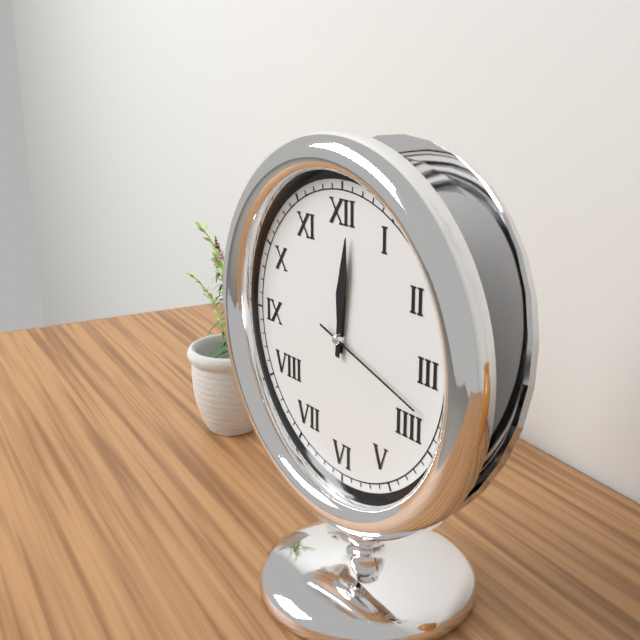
12:01:18
